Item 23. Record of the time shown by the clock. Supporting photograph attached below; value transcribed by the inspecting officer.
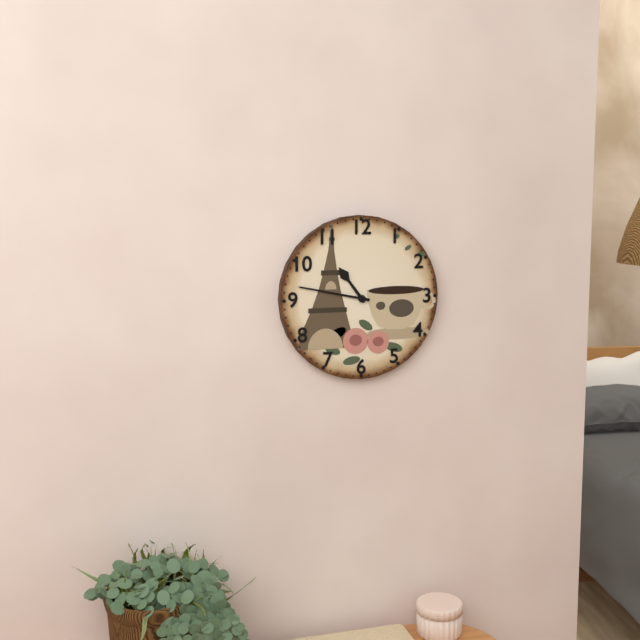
10:47
